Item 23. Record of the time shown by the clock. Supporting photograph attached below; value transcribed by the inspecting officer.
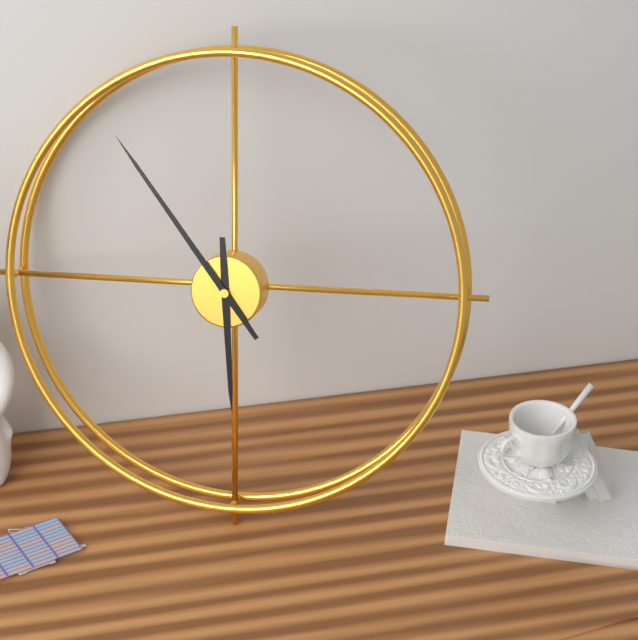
5:54
